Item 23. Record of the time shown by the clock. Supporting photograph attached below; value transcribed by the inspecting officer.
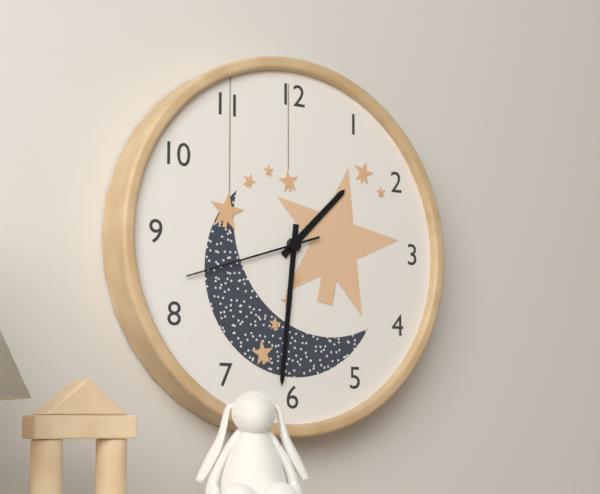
1:31:42
